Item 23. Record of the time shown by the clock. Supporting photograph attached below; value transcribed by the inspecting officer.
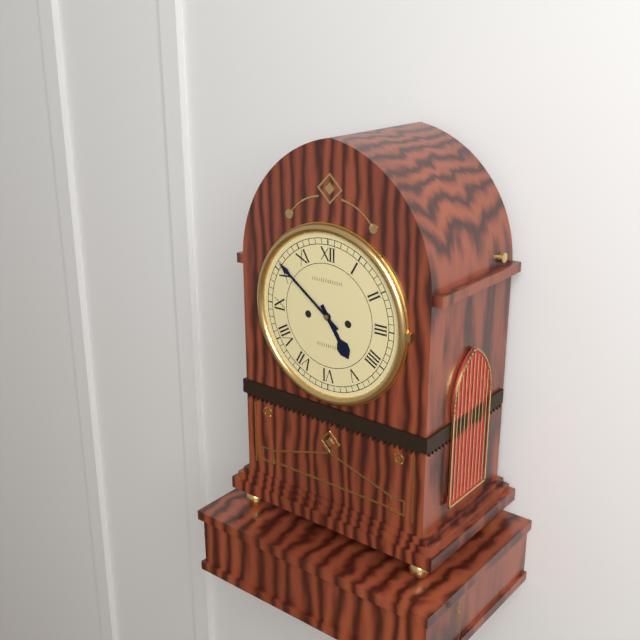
4:51
